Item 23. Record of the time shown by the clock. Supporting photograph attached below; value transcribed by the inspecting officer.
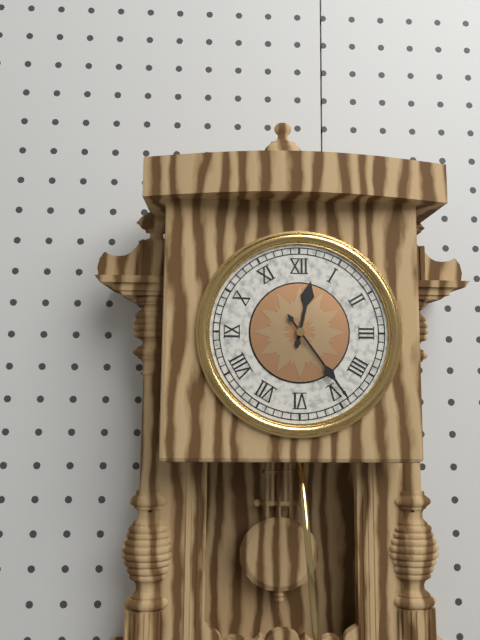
12:24
